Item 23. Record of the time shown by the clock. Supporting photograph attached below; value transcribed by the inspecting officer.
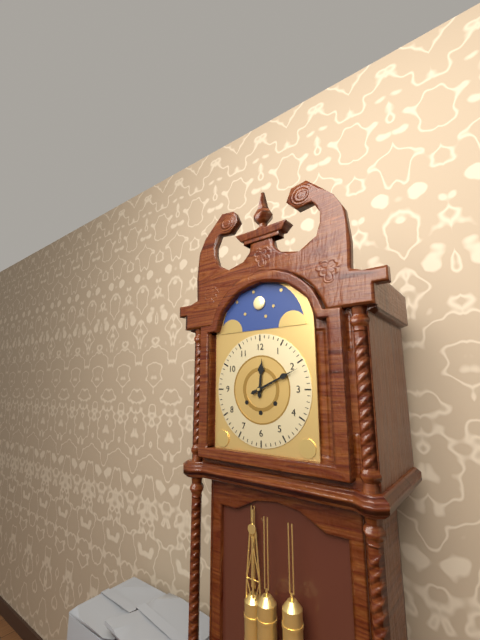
12:11
